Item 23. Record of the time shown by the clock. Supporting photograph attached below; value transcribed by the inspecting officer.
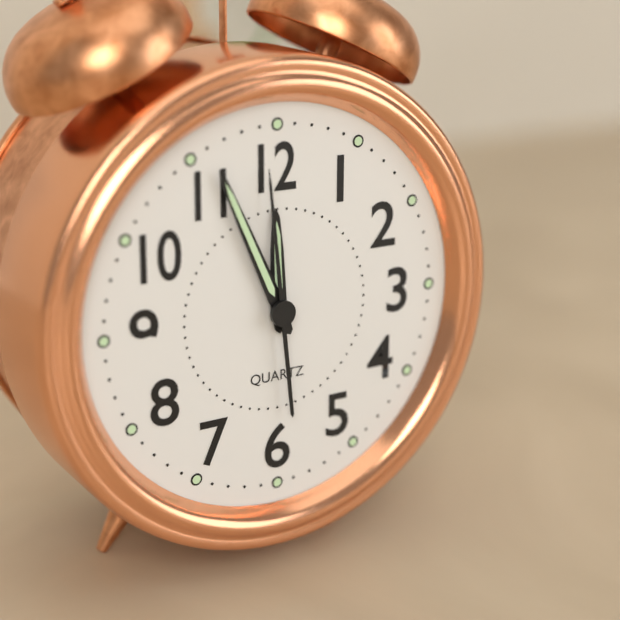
11:56:59
